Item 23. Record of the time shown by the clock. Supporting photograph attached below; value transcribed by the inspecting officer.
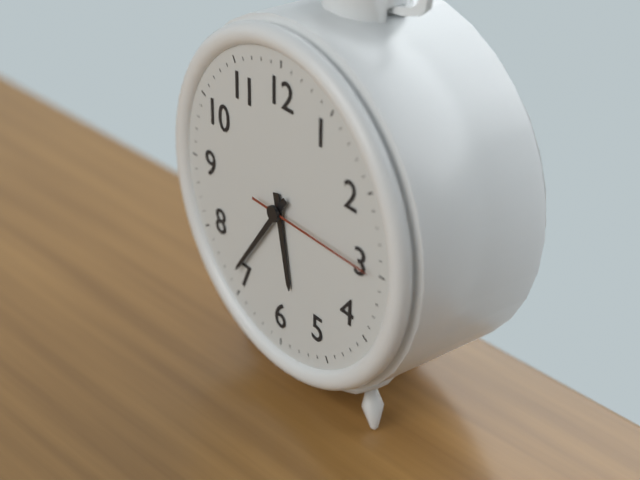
5:36:15
